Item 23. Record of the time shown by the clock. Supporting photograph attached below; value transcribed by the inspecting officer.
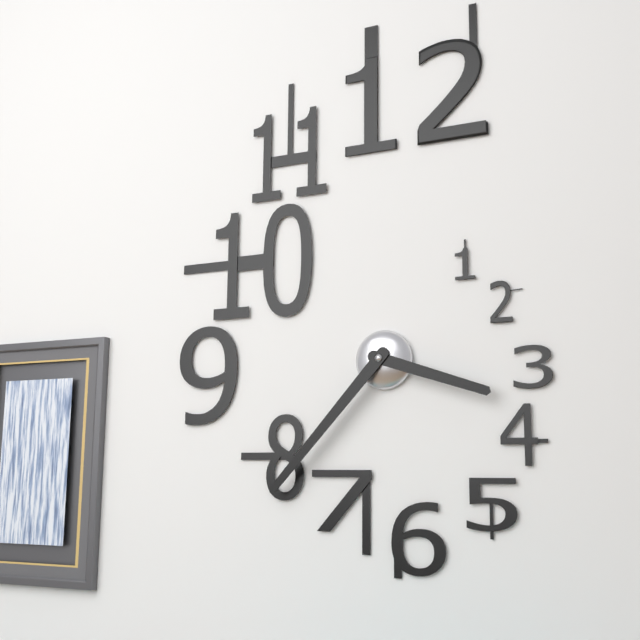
3:37
